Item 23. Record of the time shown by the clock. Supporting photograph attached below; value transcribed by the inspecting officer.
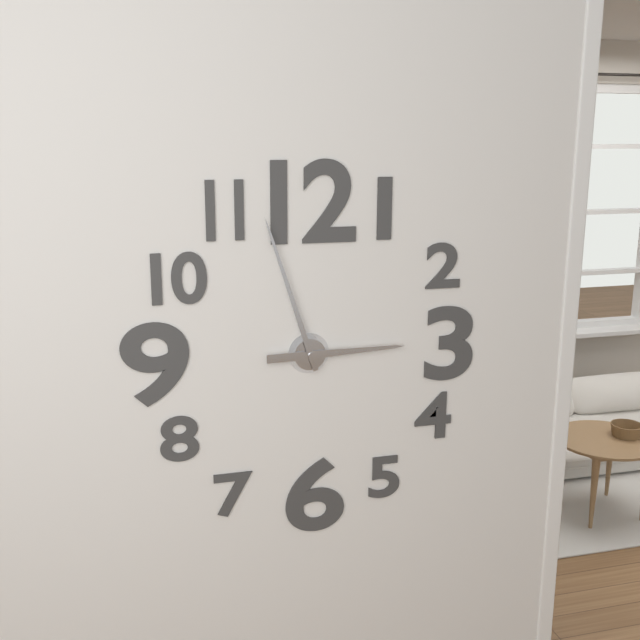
2:57
